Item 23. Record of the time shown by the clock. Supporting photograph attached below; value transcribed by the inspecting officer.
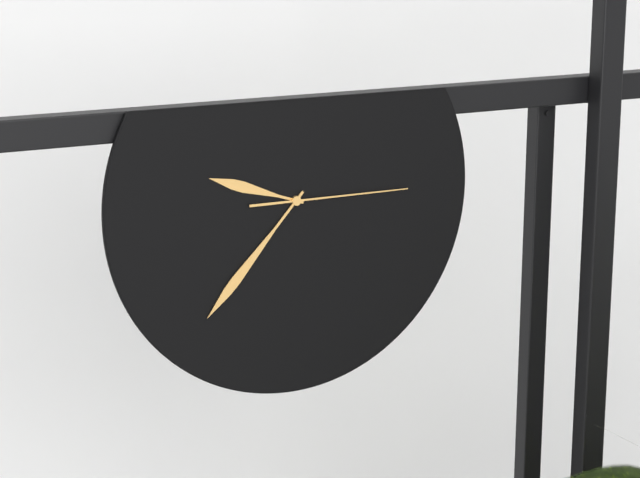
9:37:15
